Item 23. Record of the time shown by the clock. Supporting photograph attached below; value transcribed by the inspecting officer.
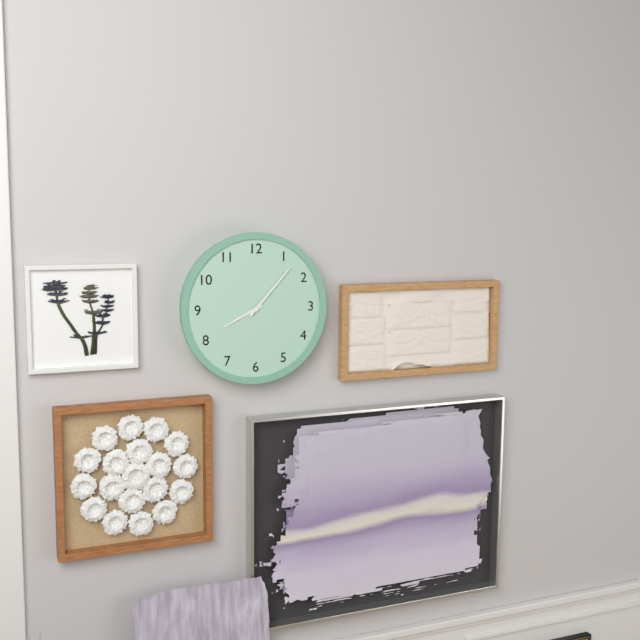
8:07
